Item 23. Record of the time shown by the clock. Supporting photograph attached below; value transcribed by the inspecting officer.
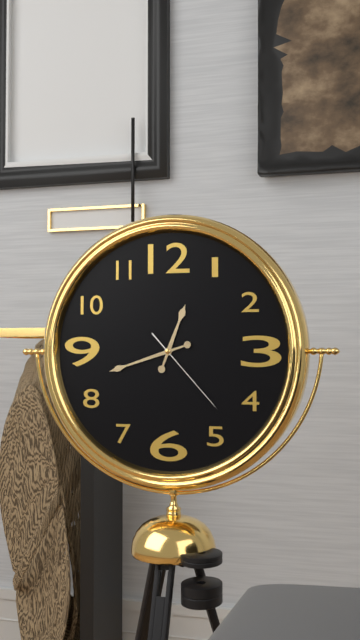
12:42:23
